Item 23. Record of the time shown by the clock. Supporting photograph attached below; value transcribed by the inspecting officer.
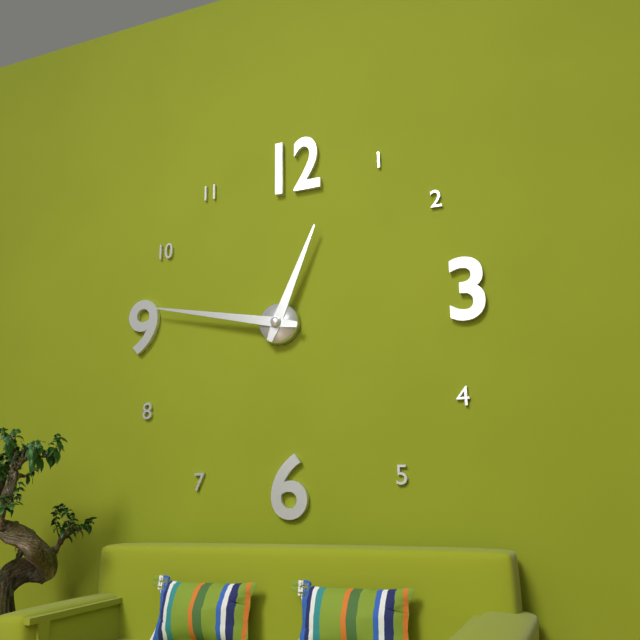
12:47
